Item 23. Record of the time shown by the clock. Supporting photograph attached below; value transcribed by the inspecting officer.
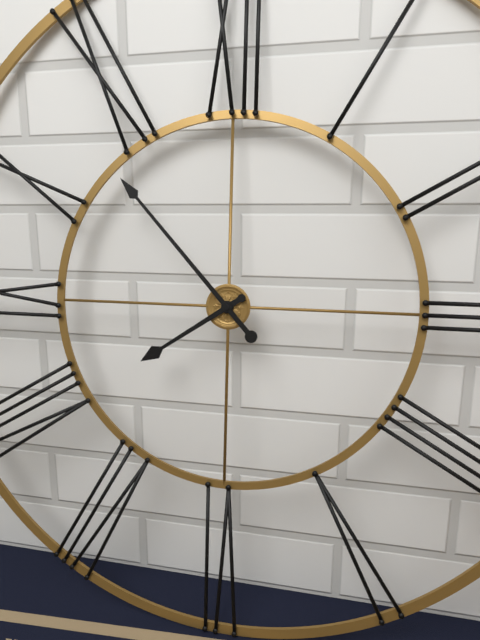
7:53
